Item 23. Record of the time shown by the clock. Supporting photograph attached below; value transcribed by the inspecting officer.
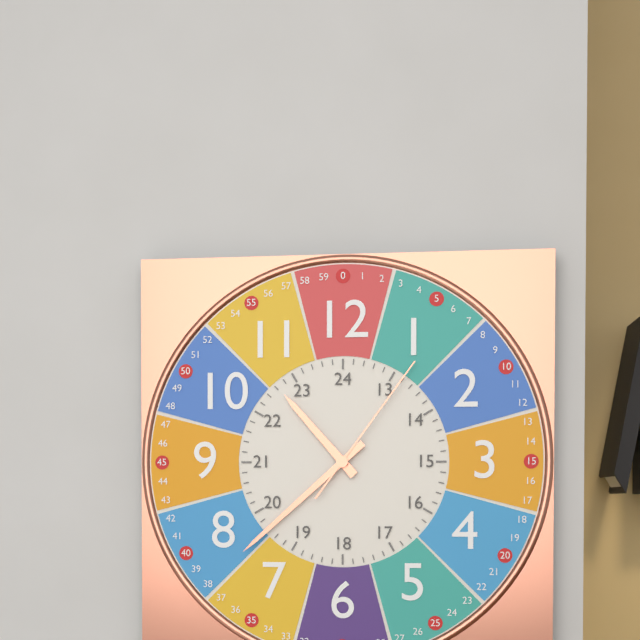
10:38:06
